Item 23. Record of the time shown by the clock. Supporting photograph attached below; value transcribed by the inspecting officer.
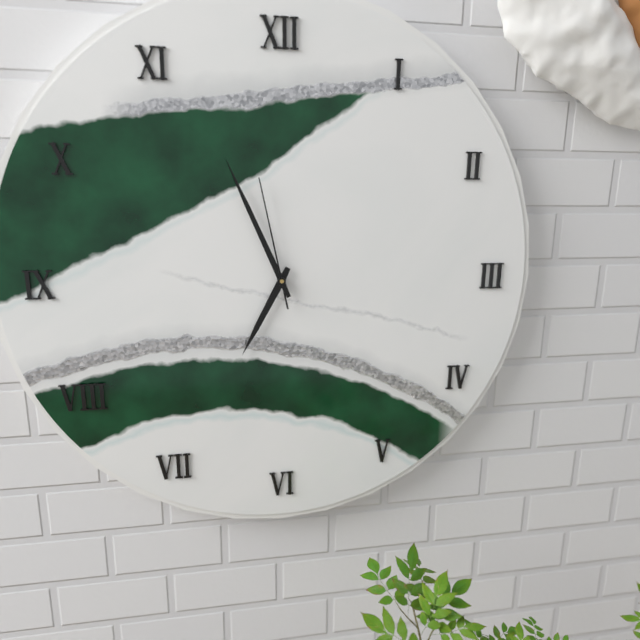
6:56:58
